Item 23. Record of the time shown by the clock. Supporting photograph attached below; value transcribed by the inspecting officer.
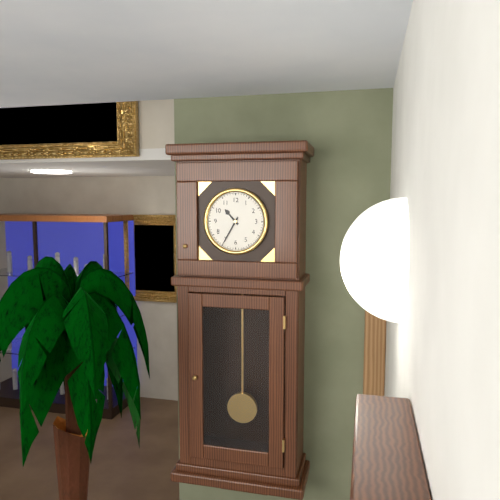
10:35
